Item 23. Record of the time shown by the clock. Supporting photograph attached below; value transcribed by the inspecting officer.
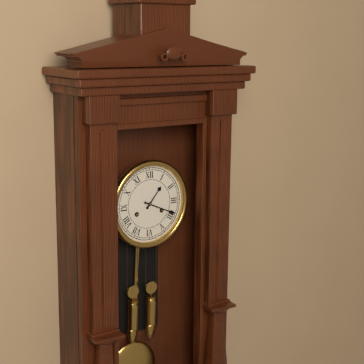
1:19
